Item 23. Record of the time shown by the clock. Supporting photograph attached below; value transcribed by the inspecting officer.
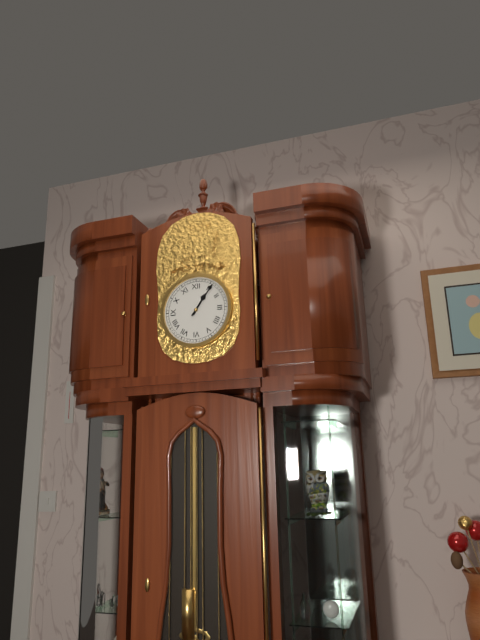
1:06
